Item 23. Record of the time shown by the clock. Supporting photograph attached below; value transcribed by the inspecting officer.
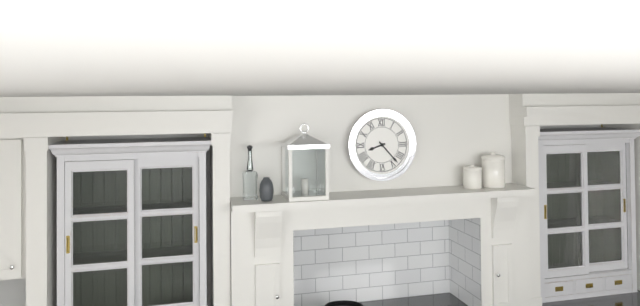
8:23
